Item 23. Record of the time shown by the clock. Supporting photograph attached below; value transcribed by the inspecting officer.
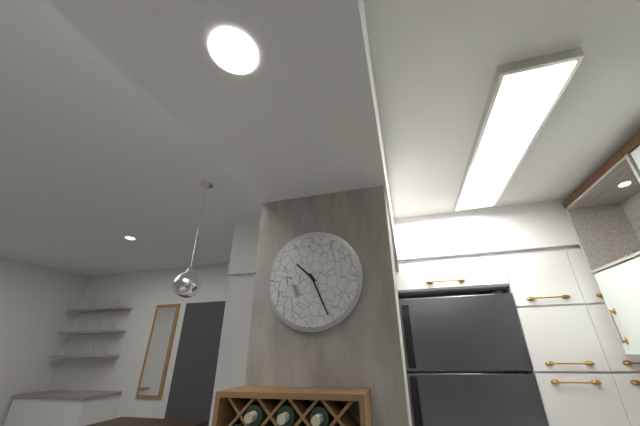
10:26
